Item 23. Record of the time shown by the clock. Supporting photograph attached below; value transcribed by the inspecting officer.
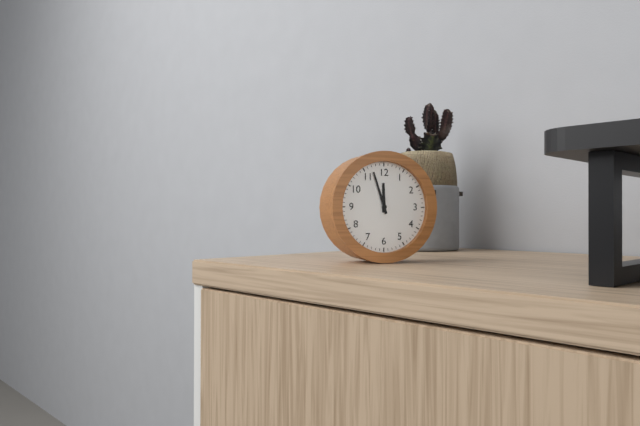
11:57
